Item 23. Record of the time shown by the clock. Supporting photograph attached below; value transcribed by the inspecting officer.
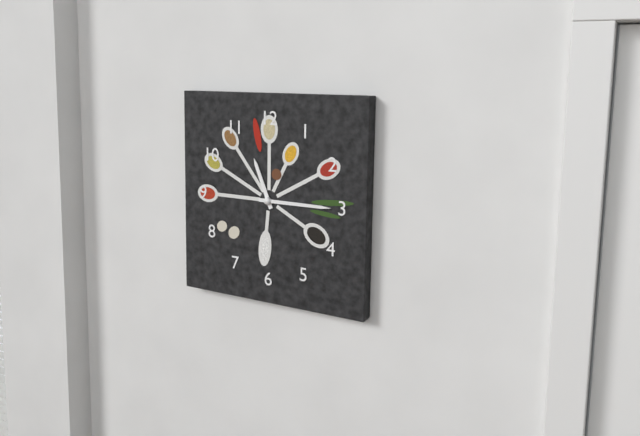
11:15
